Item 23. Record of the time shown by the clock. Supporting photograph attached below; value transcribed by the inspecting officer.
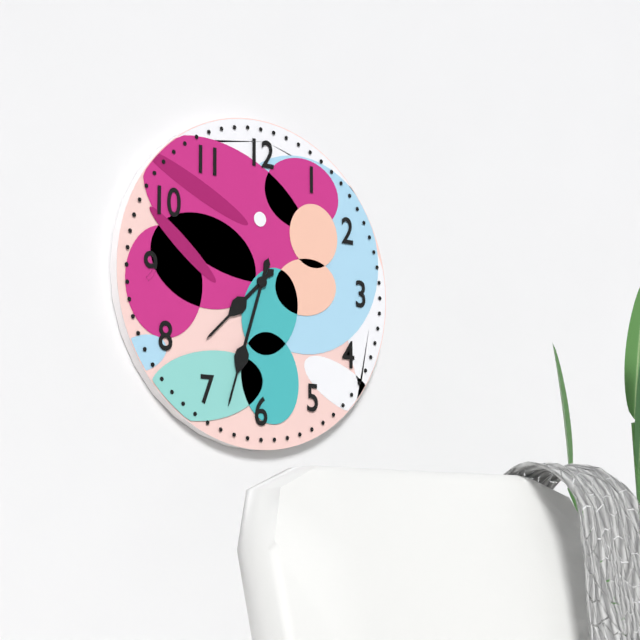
7:33
